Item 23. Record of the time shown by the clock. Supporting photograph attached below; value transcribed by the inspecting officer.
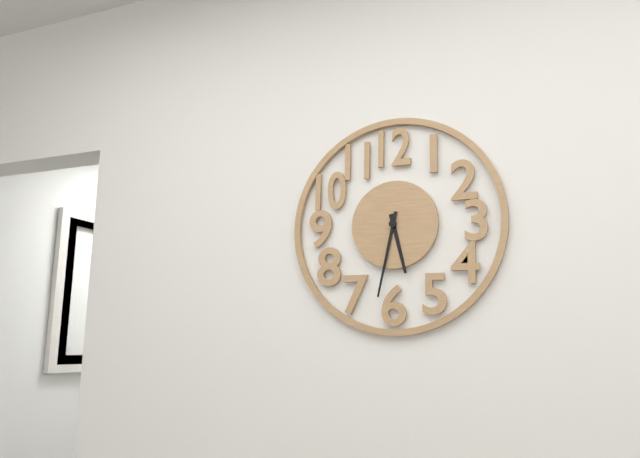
5:32
